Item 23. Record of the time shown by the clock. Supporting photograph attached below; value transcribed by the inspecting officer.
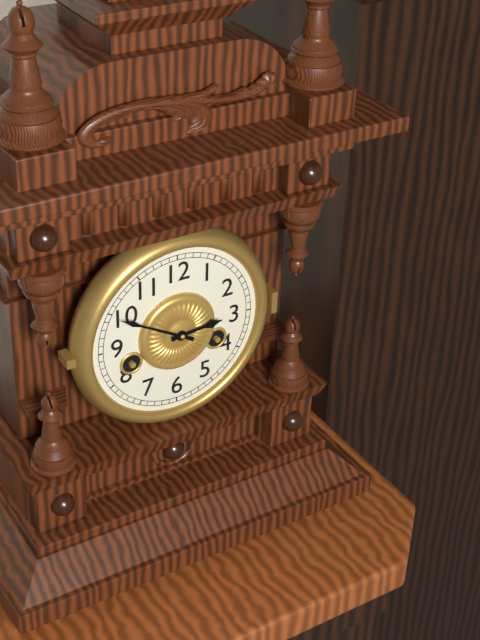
2:50
